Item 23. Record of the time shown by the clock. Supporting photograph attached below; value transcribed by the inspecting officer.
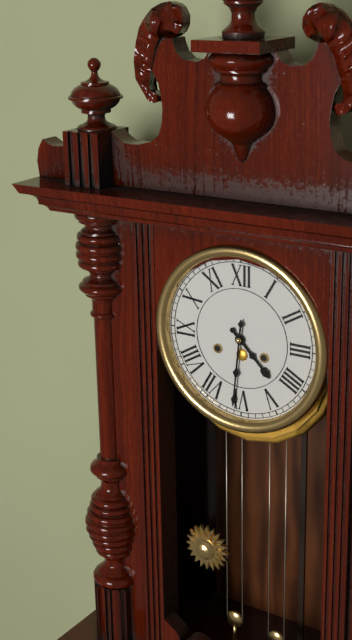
4:31
